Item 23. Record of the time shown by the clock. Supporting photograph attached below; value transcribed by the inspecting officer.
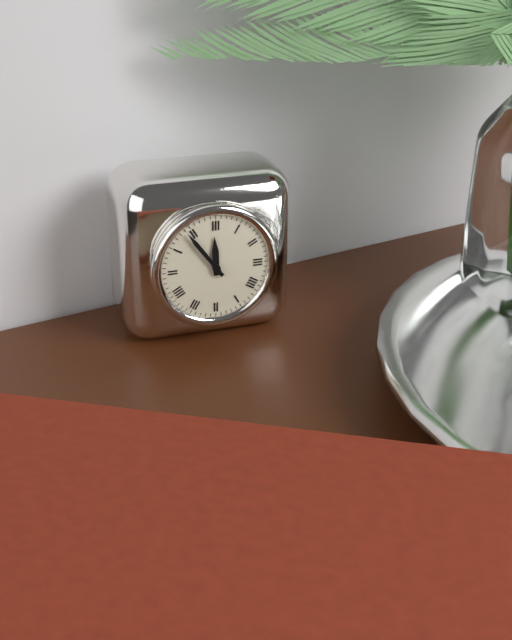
11:54
